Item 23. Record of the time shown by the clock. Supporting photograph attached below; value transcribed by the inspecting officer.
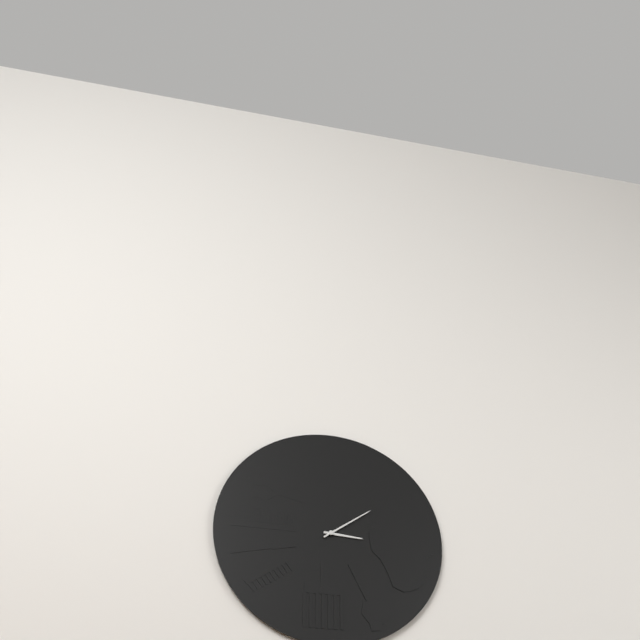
3:09
